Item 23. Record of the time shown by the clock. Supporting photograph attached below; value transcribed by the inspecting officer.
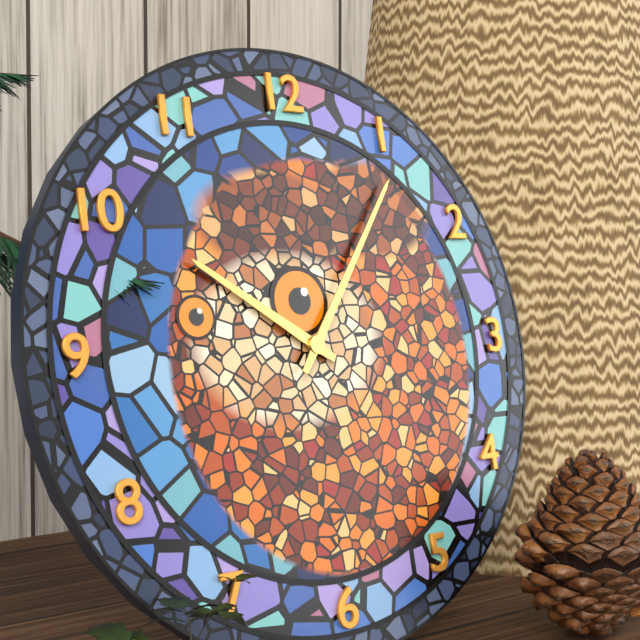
10:06
